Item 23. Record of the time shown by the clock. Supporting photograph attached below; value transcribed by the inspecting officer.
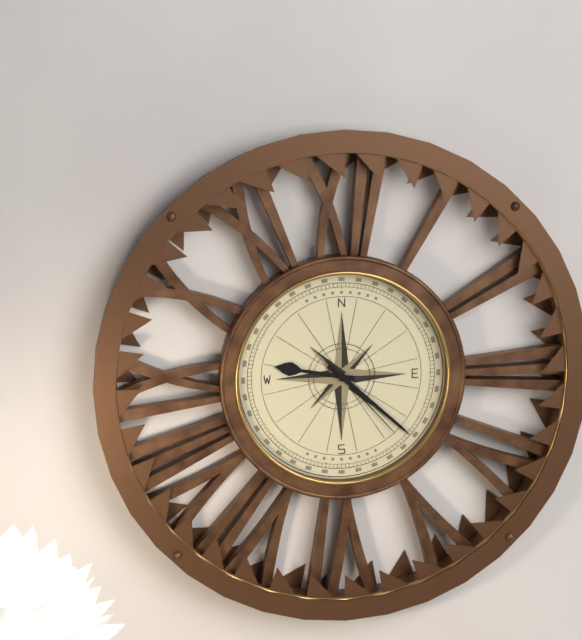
9:22:23
